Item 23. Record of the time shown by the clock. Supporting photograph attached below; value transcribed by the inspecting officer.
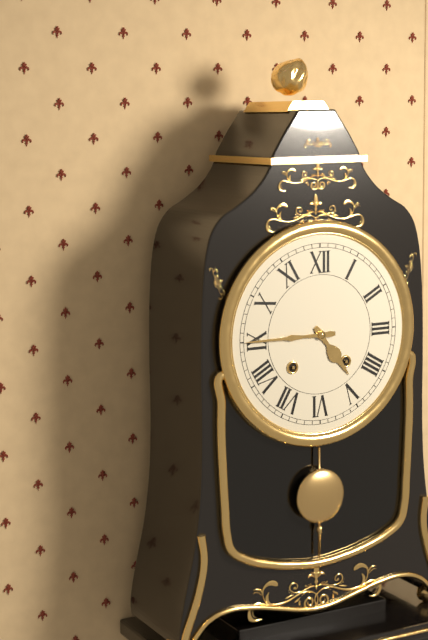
4:45
